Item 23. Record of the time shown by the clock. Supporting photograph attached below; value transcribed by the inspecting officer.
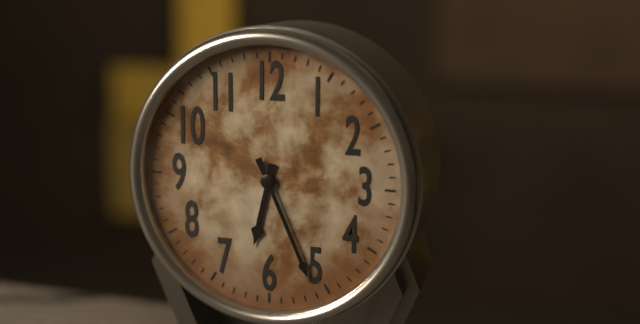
6:26
